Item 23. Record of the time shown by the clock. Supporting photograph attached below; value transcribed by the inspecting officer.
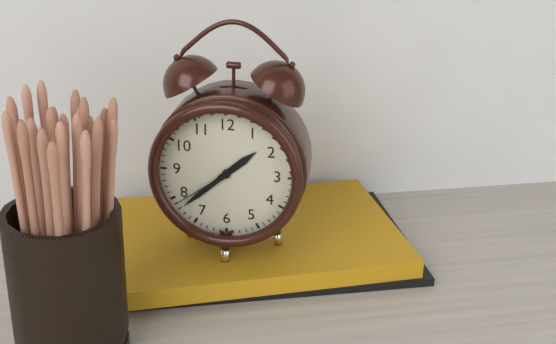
1:38:39
